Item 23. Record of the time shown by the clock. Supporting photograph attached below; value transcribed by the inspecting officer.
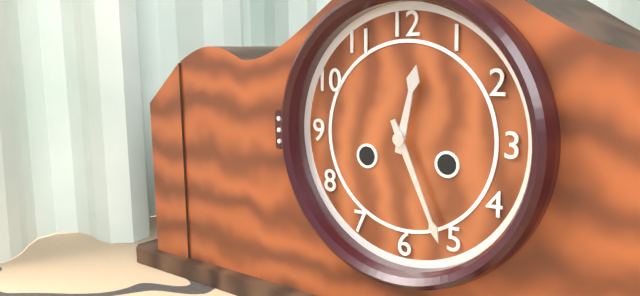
12:26
